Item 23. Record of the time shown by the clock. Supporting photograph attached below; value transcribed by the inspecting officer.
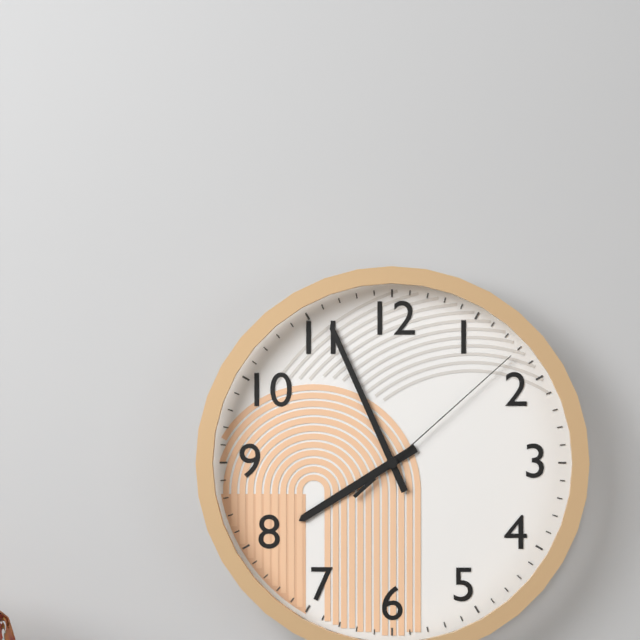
7:56:08
